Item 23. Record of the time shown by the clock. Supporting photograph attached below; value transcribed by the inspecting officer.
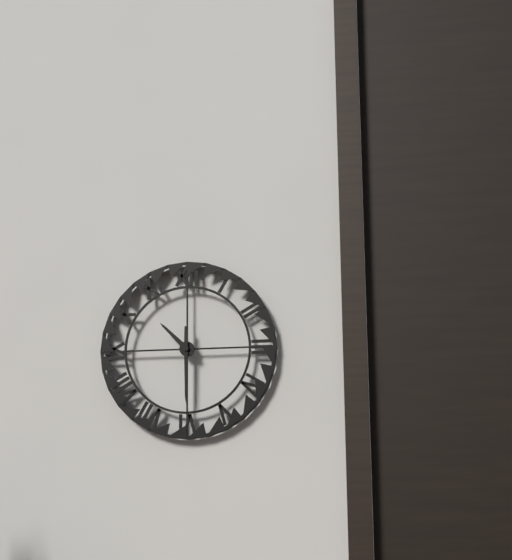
10:30
